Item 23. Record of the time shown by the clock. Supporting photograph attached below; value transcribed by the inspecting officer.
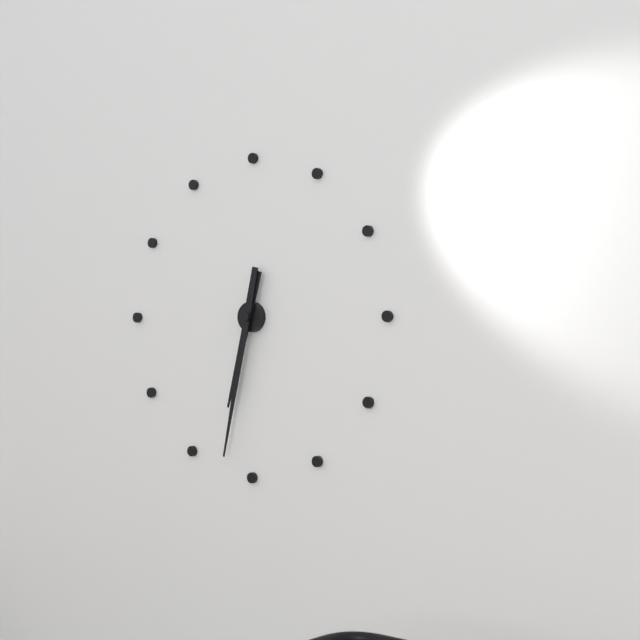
6:32
